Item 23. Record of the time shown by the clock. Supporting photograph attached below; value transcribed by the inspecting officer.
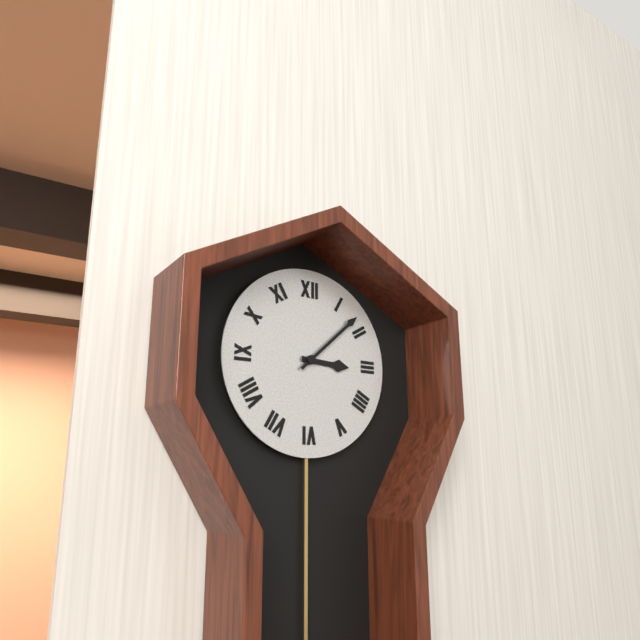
3:08
